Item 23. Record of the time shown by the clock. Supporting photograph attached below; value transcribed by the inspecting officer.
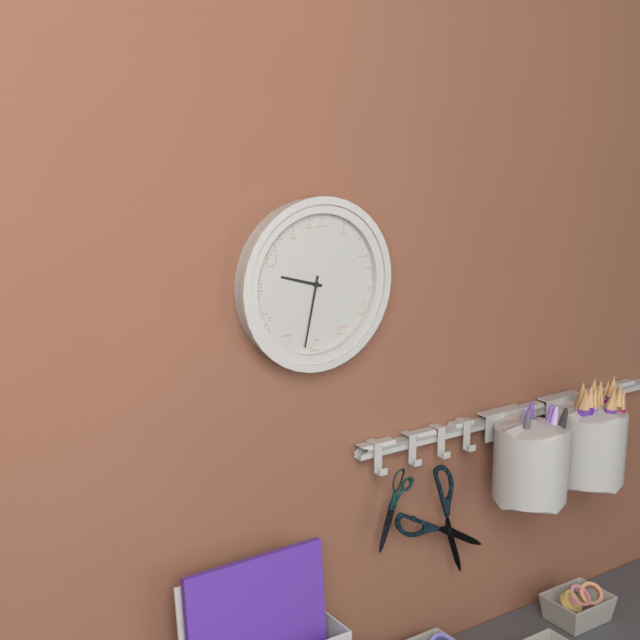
9:32
